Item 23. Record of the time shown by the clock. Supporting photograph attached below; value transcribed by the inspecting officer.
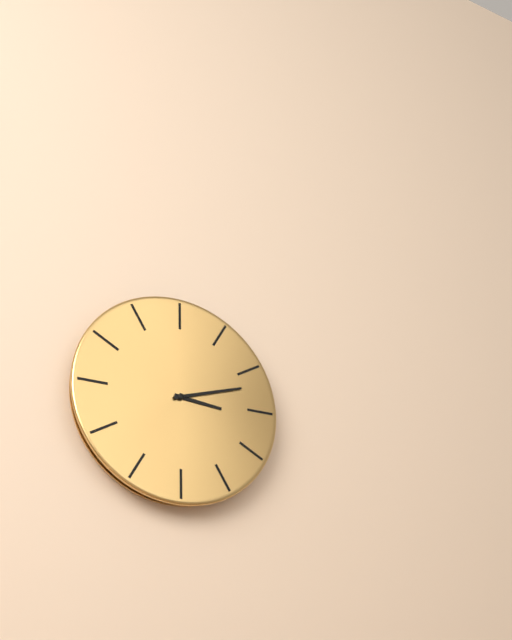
3:12
